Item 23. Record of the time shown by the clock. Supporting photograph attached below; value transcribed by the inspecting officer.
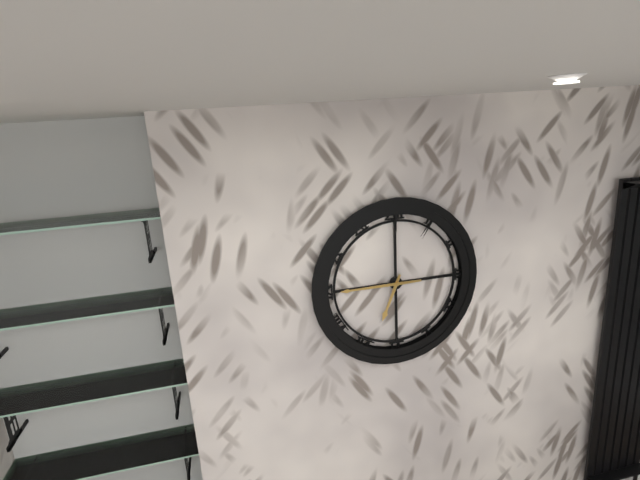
6:45
